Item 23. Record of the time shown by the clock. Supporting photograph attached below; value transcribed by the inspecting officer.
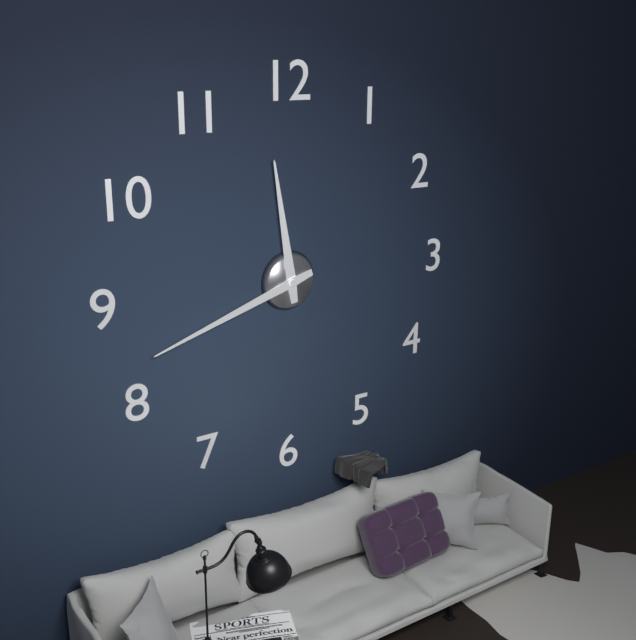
11:42
